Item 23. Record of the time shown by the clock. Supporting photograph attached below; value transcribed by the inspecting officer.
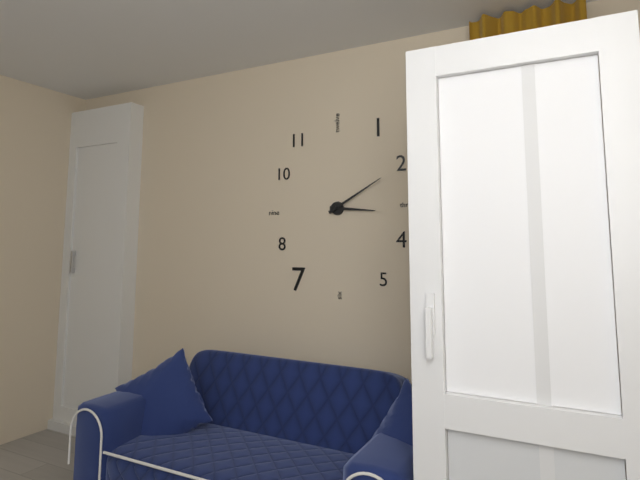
3:10
